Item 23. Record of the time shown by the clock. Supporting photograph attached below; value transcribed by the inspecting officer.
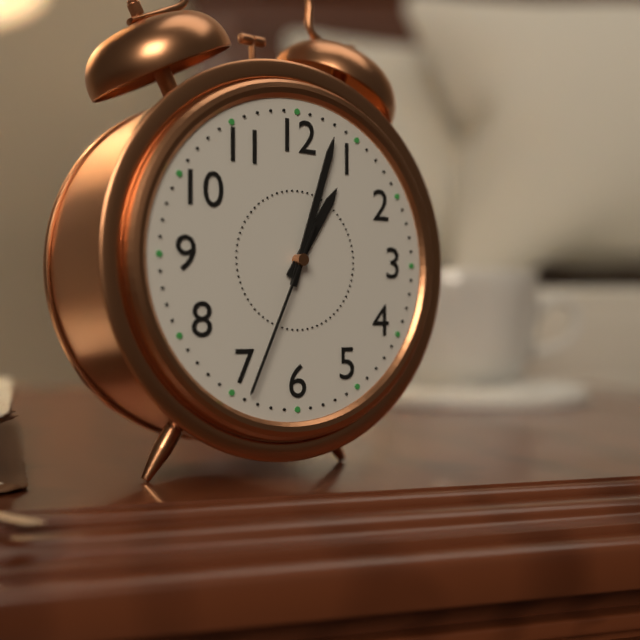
1:03:34
